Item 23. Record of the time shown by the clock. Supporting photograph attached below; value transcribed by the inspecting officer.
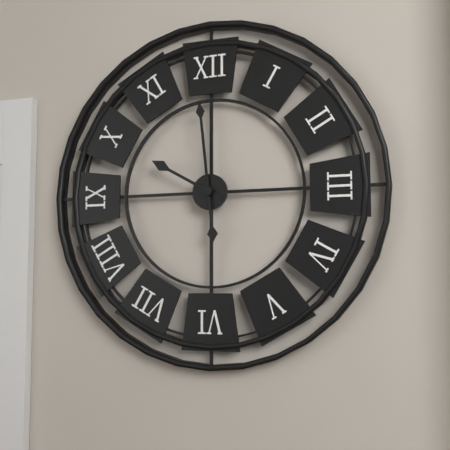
9:59
